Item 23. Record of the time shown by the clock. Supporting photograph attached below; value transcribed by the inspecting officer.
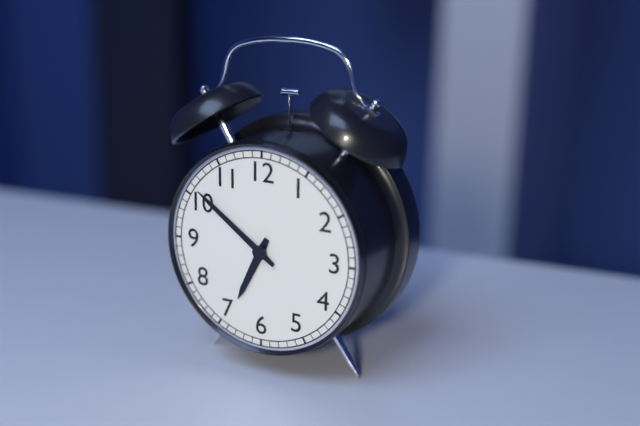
6:51
